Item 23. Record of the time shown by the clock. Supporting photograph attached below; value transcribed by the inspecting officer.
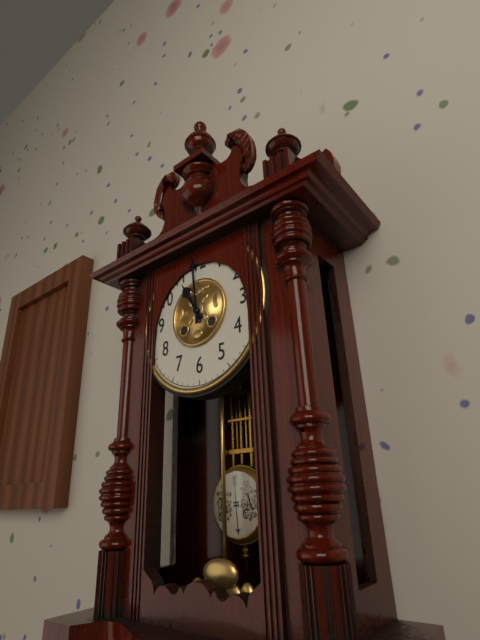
10:59
